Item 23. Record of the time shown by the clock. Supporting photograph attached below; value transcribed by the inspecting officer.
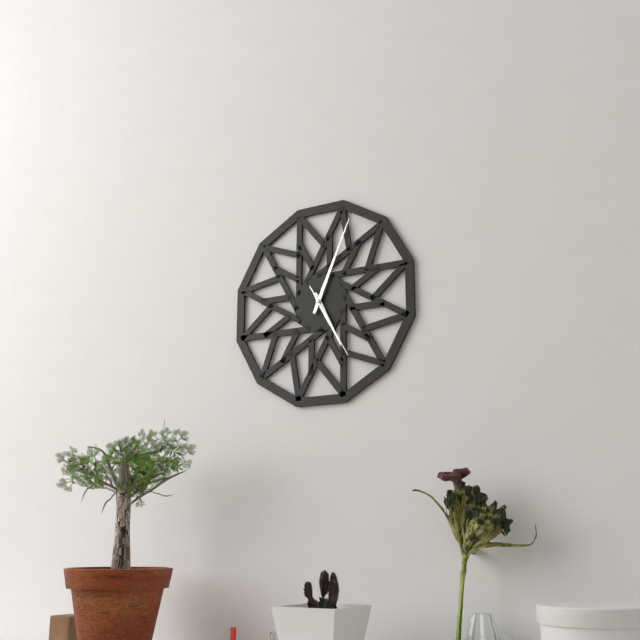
5:04:25
